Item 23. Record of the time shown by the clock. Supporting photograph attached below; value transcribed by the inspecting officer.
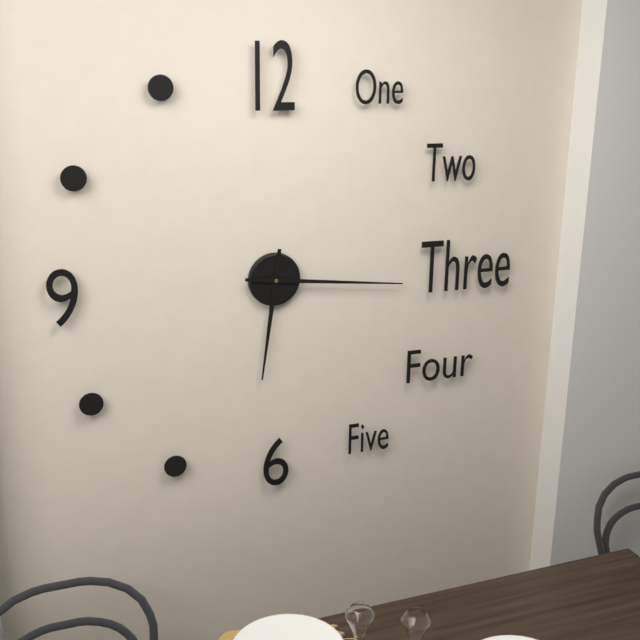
6:16
